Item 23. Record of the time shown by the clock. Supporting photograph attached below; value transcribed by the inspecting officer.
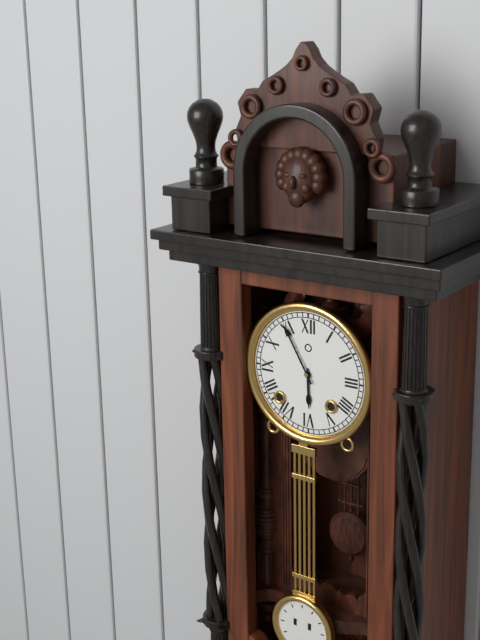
5:55
